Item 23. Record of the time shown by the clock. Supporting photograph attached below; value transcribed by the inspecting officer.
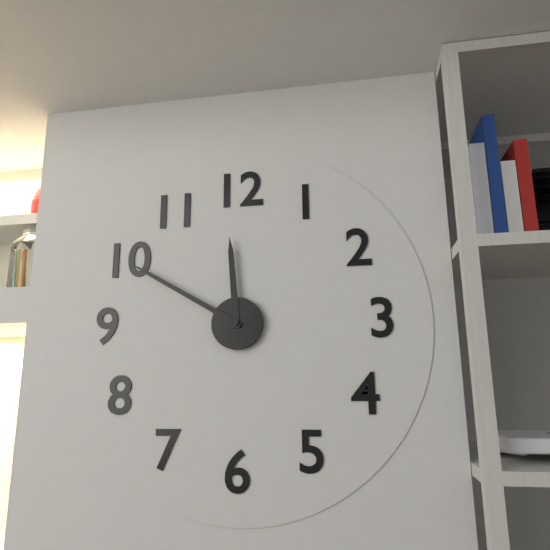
11:50
